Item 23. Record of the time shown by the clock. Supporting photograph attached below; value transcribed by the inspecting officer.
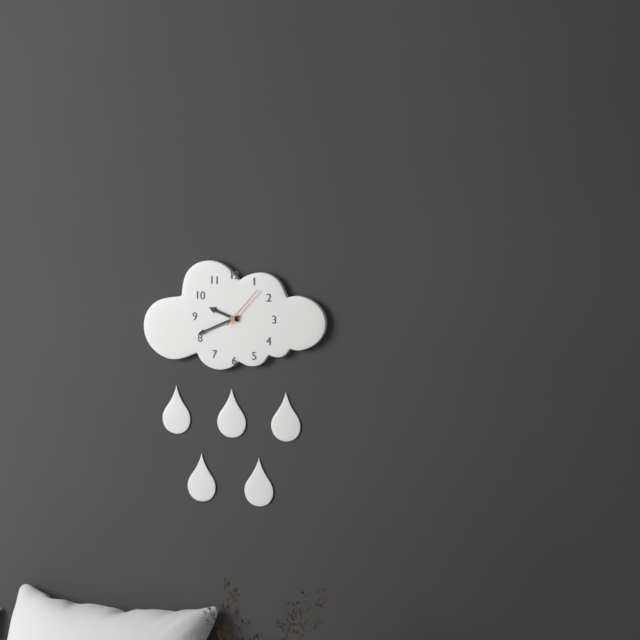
9:41
